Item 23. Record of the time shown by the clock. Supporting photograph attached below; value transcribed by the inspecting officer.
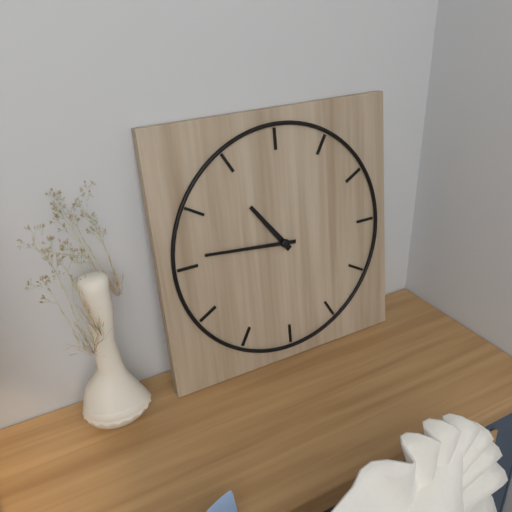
10:46
